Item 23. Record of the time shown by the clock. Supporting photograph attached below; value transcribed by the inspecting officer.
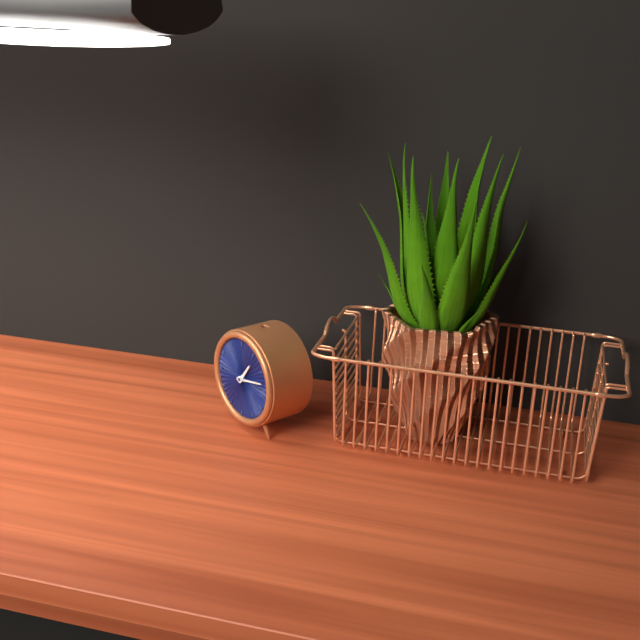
1:13
